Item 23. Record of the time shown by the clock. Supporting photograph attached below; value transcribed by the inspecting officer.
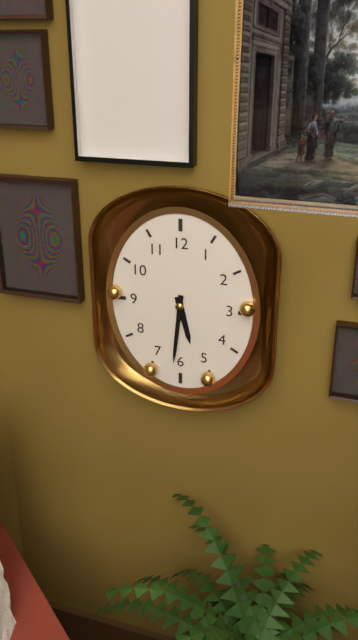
5:31
